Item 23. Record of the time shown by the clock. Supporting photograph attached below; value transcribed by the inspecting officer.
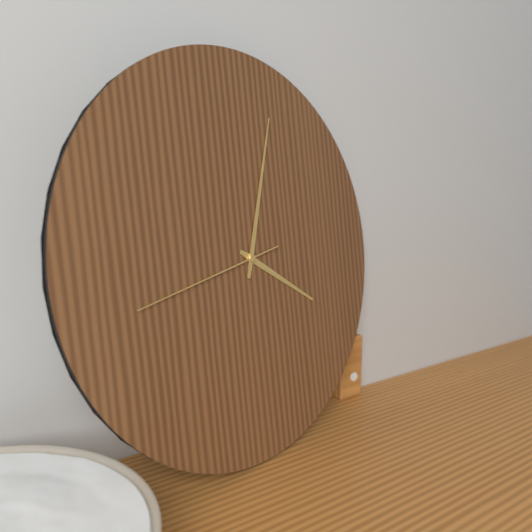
4:03:43
